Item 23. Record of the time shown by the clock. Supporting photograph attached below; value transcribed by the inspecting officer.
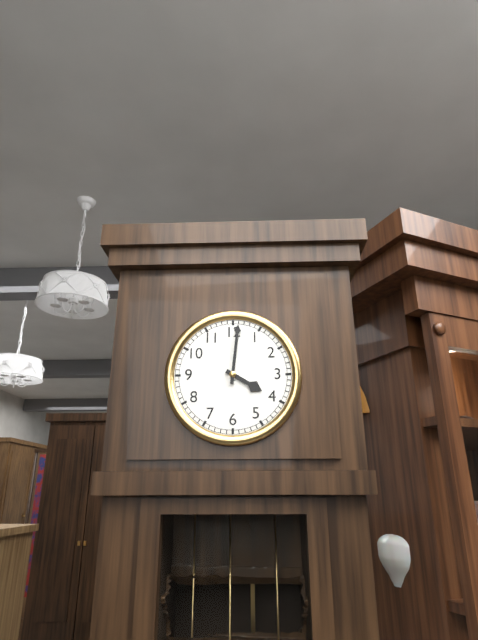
4:01
